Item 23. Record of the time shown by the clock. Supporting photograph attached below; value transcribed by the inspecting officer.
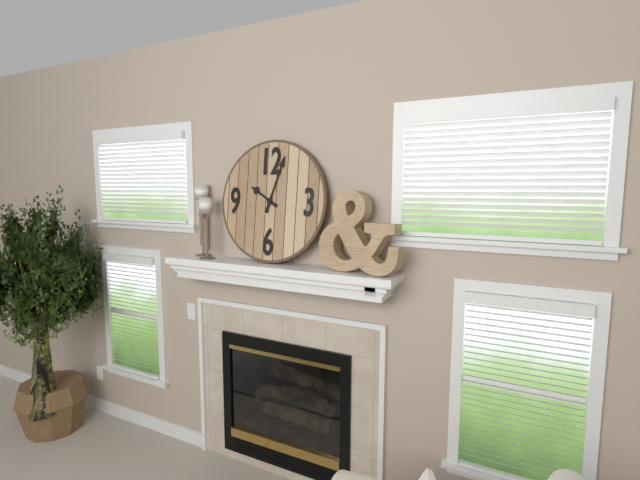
10:03
